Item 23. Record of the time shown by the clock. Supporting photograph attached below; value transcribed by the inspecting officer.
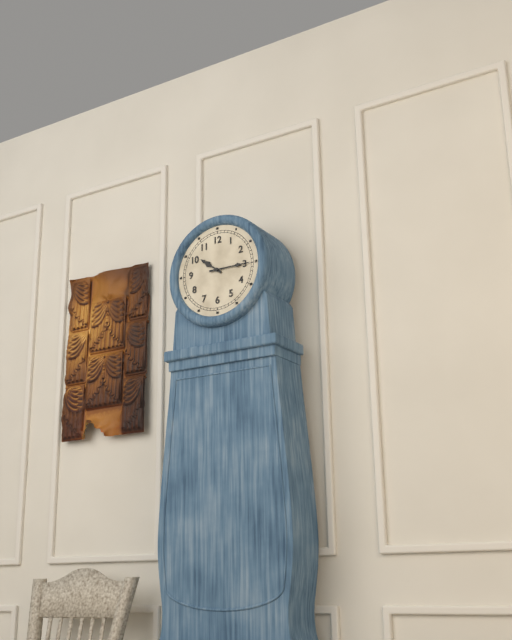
10:15
